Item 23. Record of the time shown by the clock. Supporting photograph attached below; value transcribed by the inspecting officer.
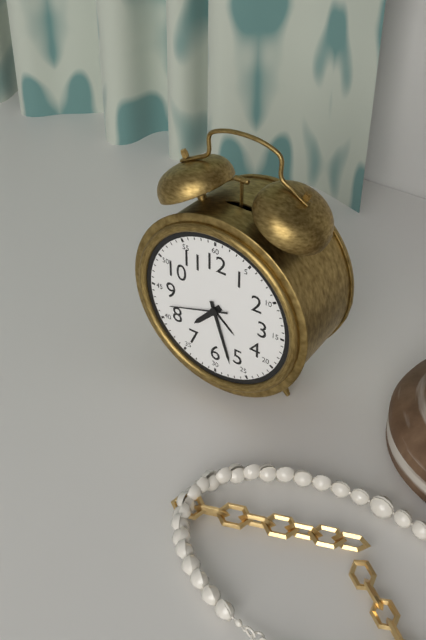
7:27:42
